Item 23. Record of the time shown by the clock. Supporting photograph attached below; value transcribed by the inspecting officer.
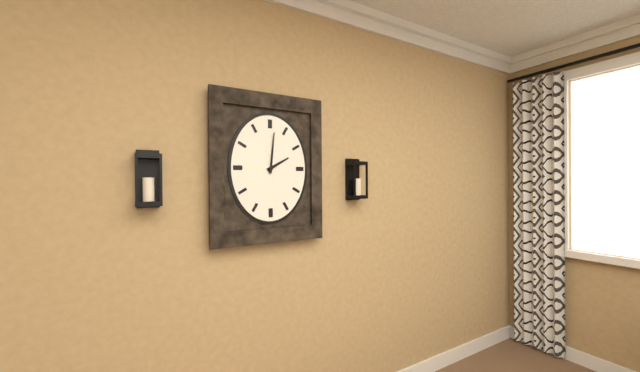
2:01
